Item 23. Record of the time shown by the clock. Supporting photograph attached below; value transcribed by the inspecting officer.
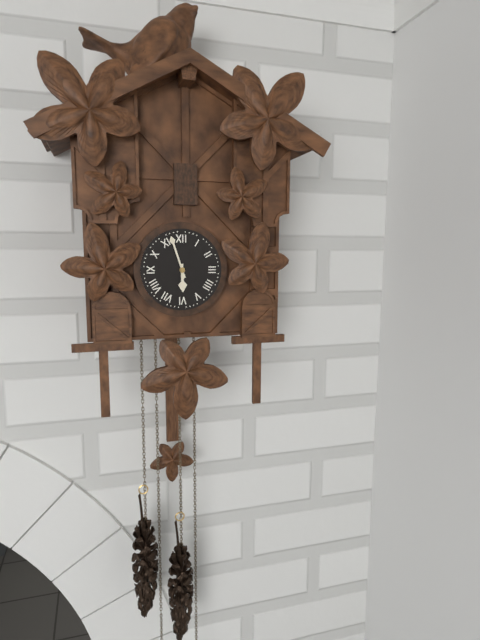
5:57
